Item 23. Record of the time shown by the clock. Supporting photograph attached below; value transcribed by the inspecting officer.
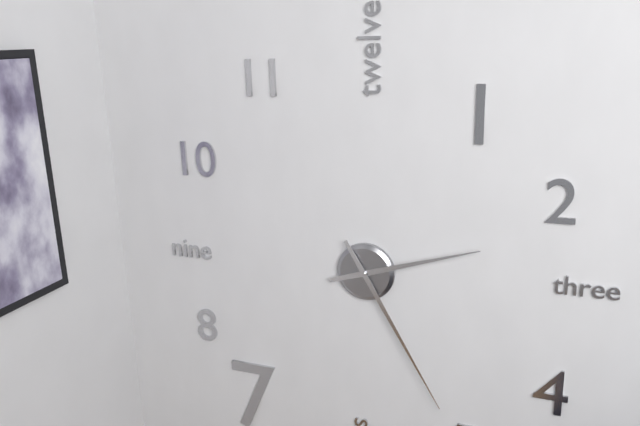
2:25
